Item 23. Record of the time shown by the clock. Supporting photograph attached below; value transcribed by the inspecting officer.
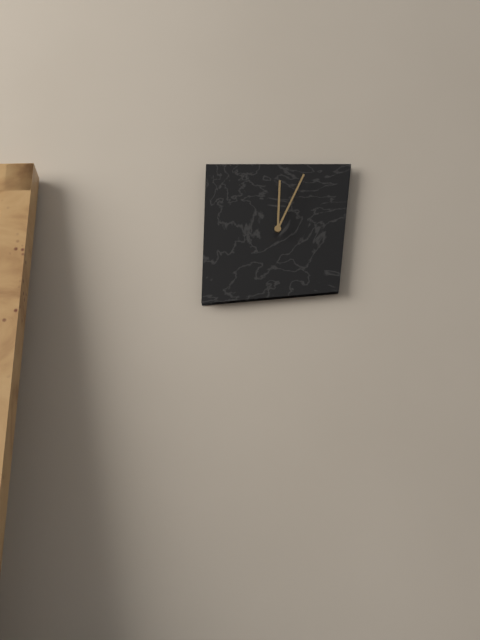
12:04
